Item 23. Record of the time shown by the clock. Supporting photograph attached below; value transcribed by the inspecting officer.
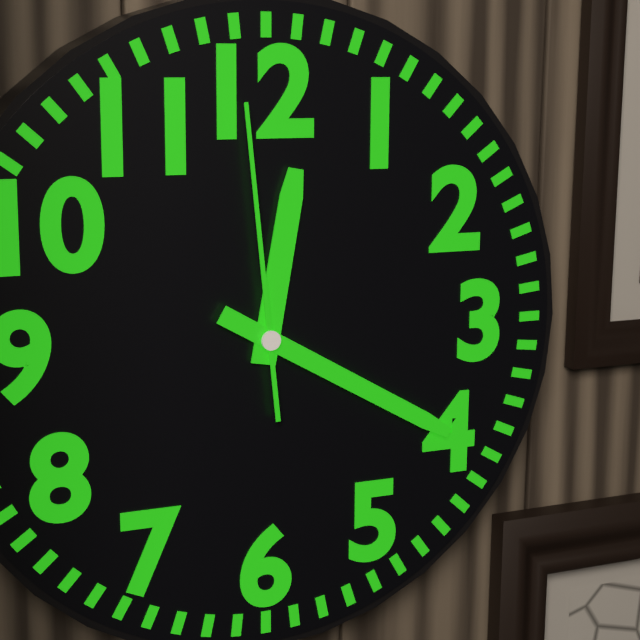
12:20:59
